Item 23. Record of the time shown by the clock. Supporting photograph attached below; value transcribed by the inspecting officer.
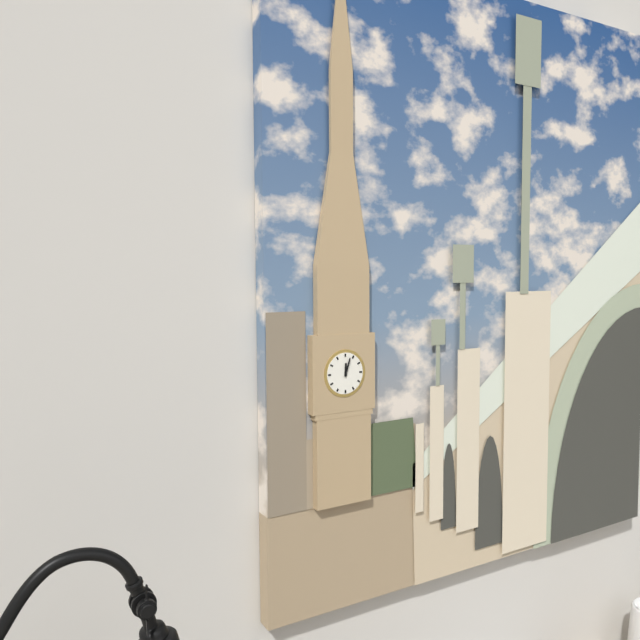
12:03
